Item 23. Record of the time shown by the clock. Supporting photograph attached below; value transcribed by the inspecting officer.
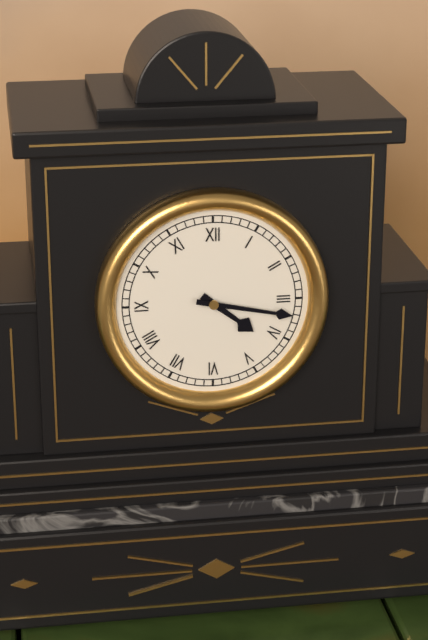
4:17
